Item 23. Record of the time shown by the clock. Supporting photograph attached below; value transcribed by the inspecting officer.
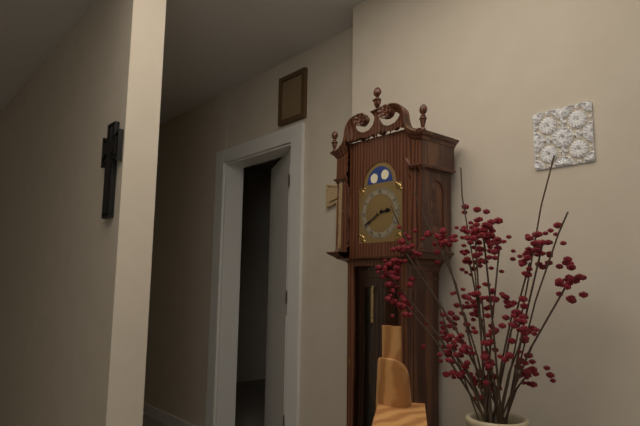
2:40
